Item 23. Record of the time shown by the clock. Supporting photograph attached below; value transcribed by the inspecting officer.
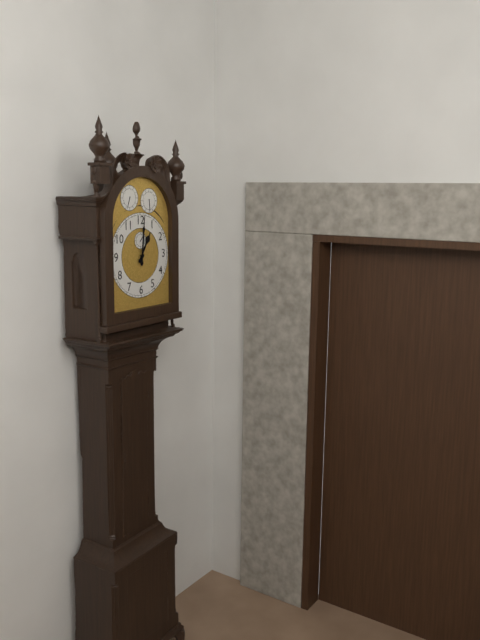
1:01
